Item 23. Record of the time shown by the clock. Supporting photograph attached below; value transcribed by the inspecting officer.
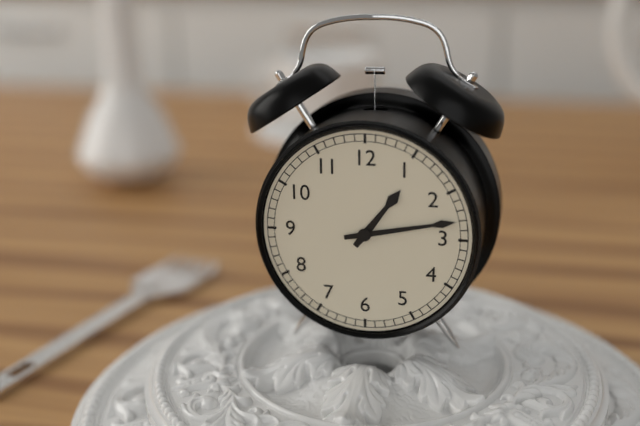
1:13
